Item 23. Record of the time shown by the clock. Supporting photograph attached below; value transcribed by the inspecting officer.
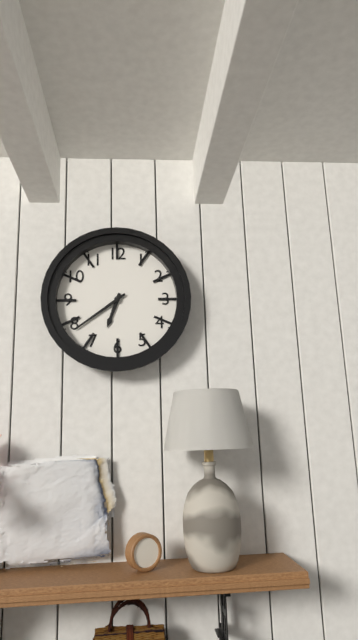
6:39
